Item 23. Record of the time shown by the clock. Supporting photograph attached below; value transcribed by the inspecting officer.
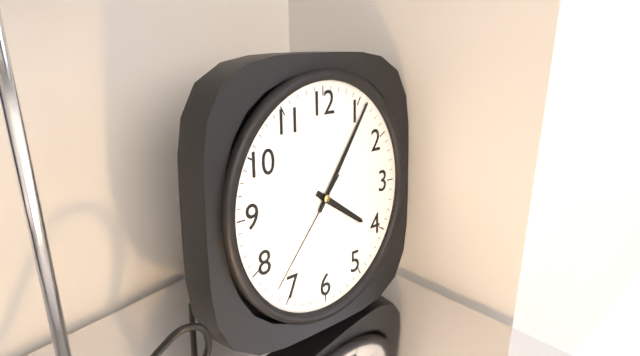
4:06:37
